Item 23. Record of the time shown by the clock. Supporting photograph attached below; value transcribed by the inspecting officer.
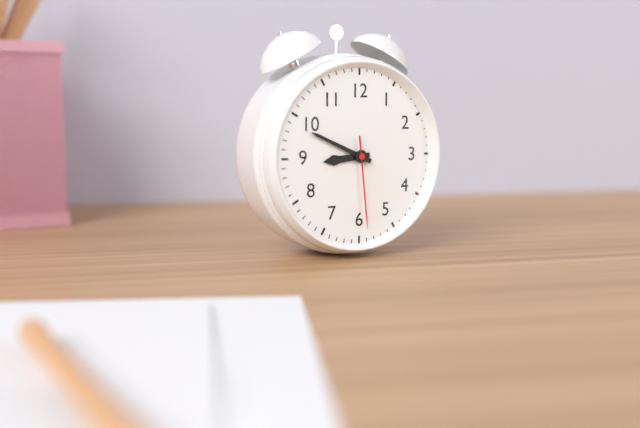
8:49:29
